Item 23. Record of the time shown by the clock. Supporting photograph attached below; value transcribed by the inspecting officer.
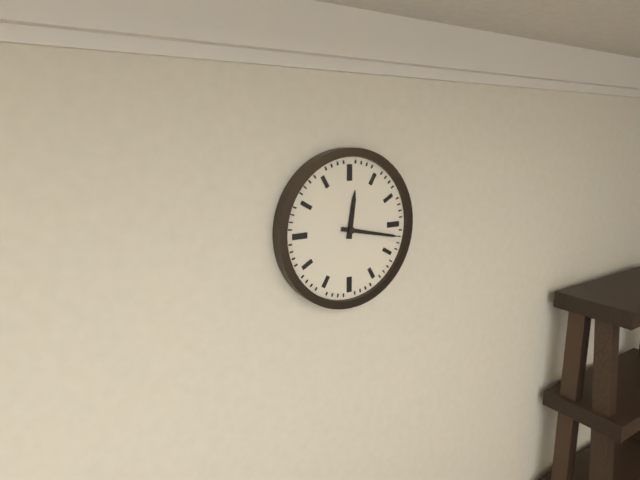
12:17
